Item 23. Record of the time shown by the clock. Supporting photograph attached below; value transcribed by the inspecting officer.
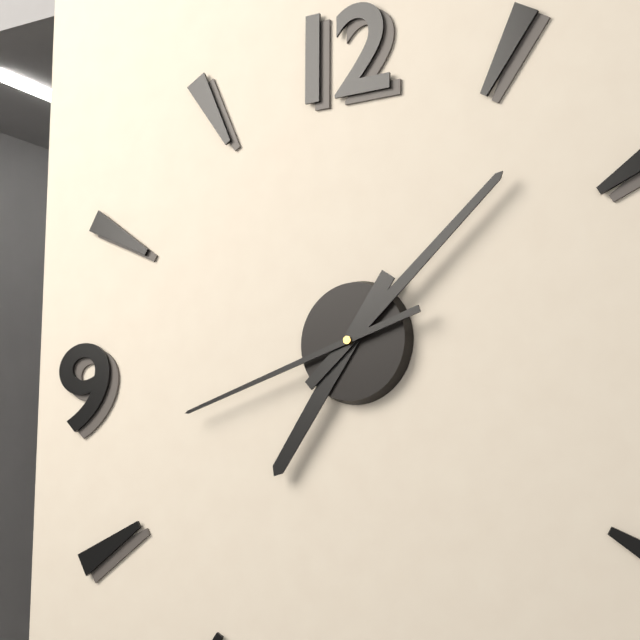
7:08:42
